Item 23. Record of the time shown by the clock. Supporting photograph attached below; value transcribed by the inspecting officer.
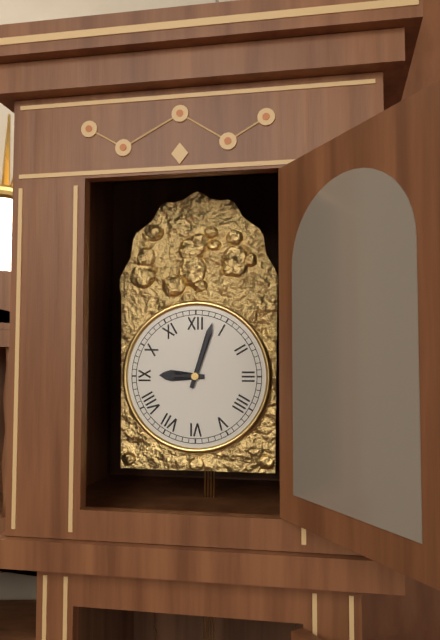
9:03
